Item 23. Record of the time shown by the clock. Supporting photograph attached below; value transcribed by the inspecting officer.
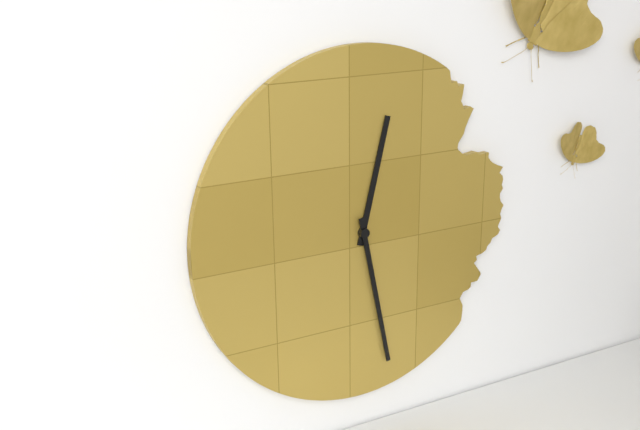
12:28
